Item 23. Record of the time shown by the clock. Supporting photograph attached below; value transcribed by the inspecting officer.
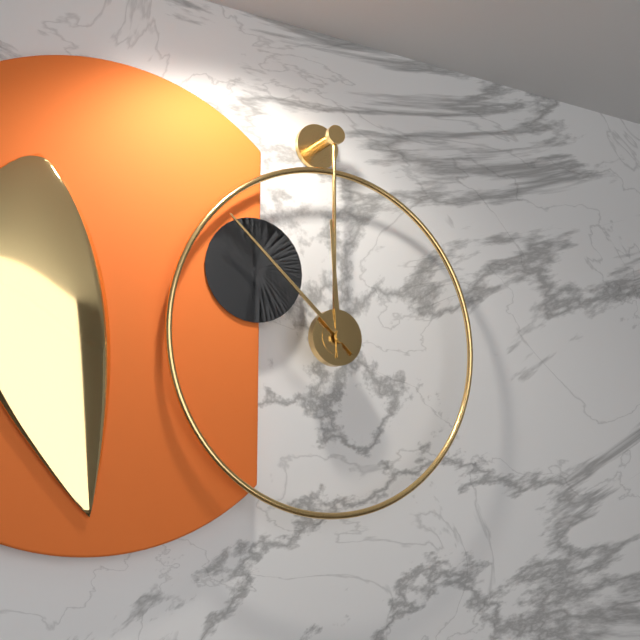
11:52
